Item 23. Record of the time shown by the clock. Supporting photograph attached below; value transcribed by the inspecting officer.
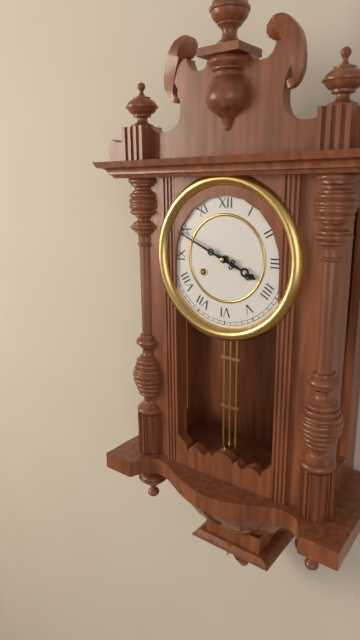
3:49
